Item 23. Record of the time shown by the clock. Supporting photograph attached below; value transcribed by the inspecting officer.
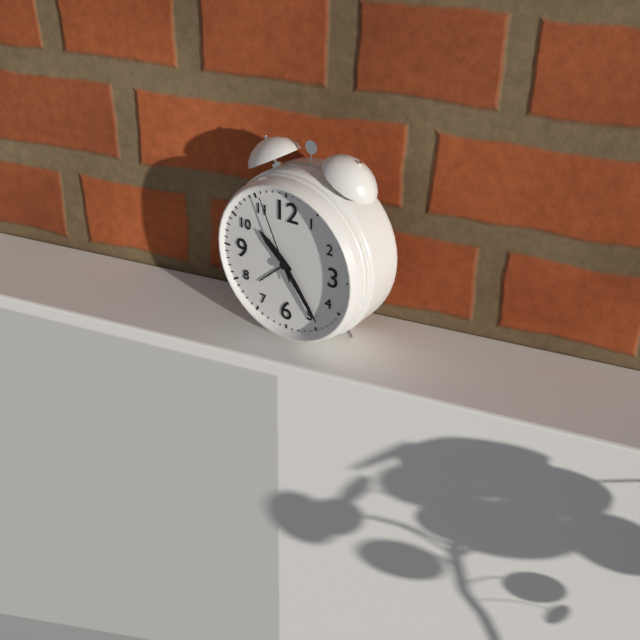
10:24:56
